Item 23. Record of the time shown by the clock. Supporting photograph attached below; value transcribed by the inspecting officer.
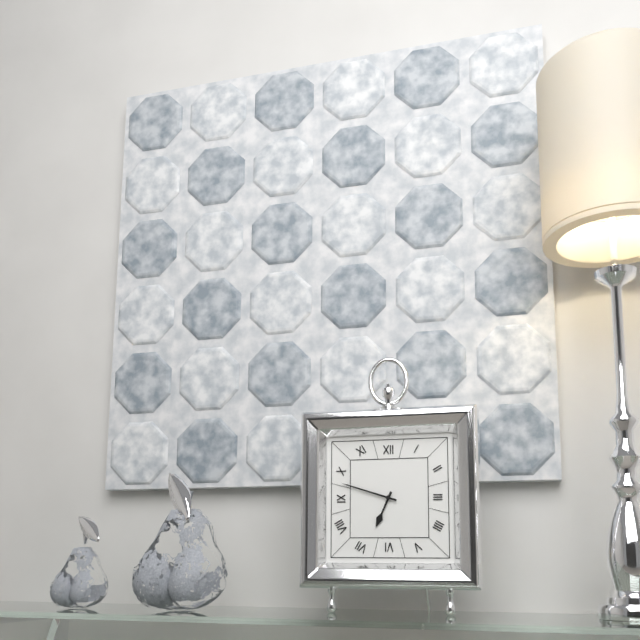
6:48
